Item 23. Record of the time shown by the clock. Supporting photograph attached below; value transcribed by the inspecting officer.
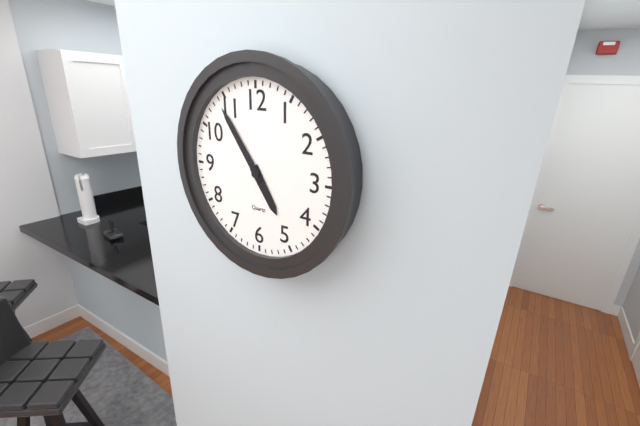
4:54
